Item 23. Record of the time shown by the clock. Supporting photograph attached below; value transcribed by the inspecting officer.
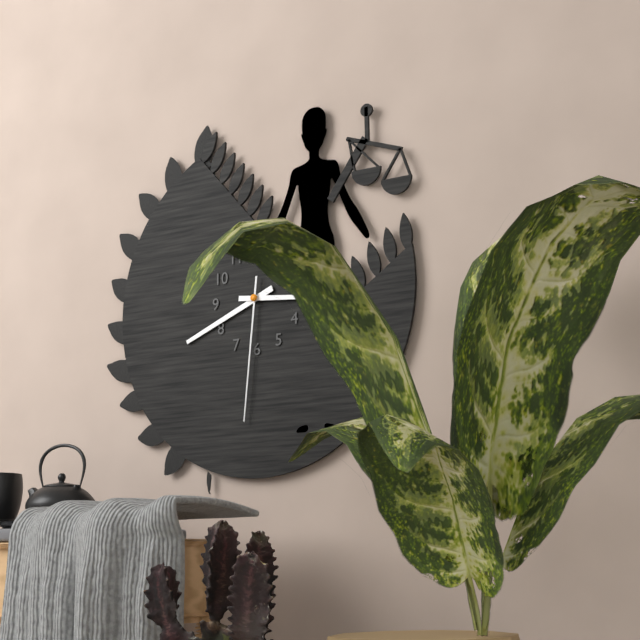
8:16:31
